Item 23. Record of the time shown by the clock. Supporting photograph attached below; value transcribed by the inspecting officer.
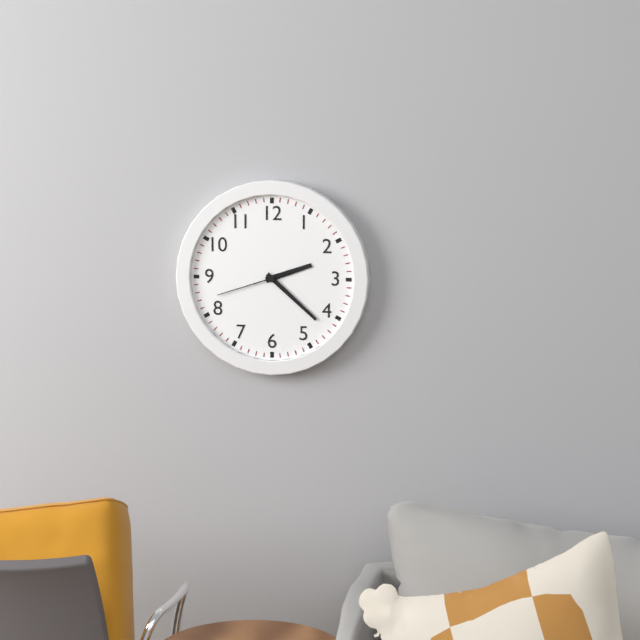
2:22:42
